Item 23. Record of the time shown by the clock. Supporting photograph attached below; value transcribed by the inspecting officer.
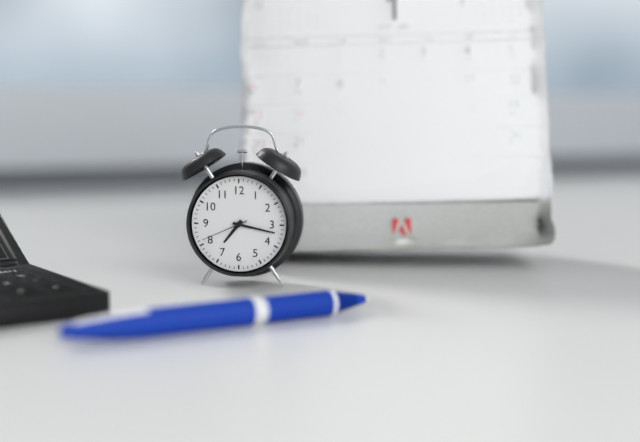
7:17
